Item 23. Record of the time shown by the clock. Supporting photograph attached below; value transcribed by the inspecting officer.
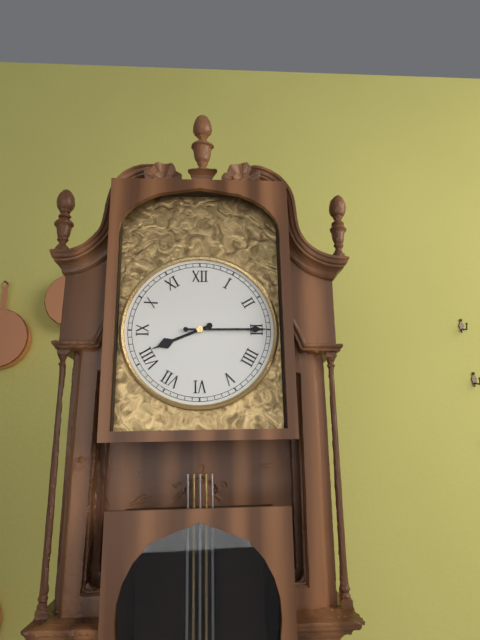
8:15
